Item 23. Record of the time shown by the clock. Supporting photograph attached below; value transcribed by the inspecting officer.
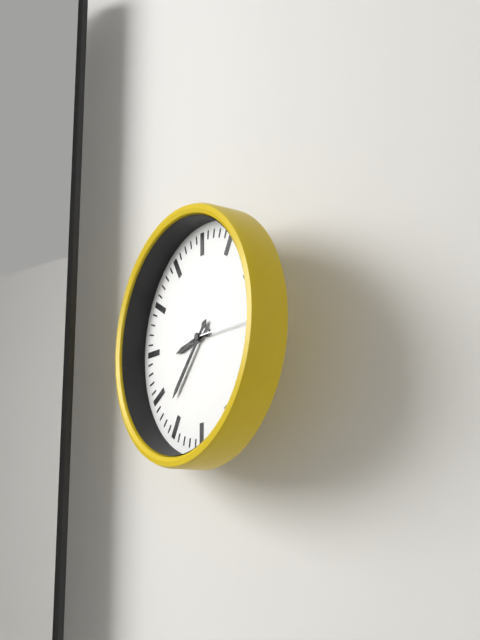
8:37:15
